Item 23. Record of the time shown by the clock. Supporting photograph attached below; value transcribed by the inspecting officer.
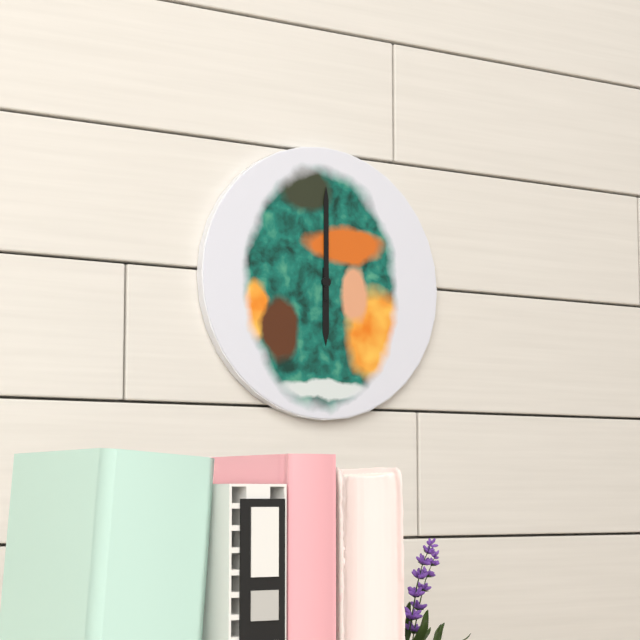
6:00
